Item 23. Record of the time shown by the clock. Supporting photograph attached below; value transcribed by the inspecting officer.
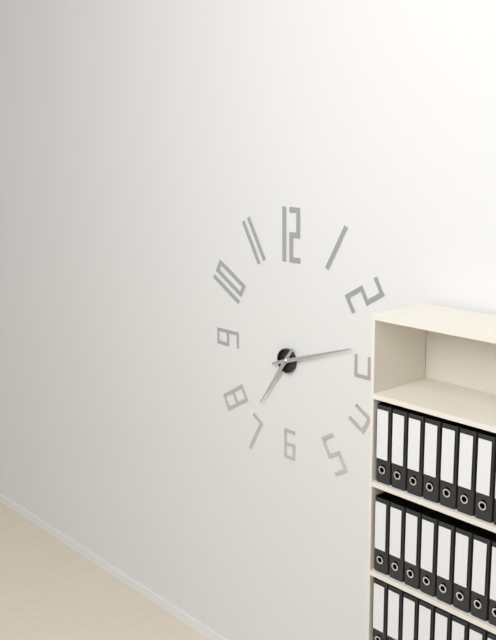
7:12
